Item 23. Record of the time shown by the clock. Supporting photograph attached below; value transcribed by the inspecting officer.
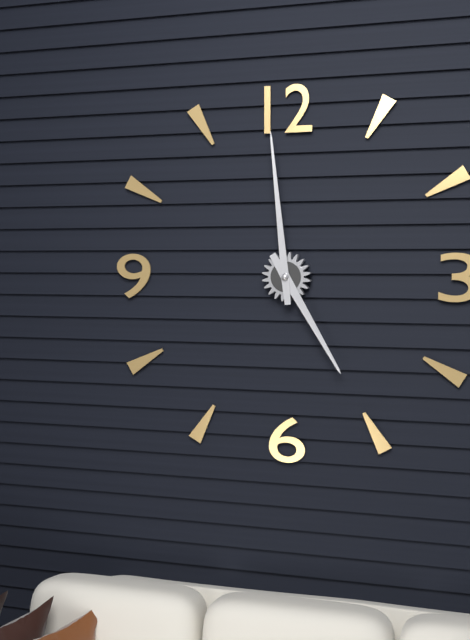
4:59
